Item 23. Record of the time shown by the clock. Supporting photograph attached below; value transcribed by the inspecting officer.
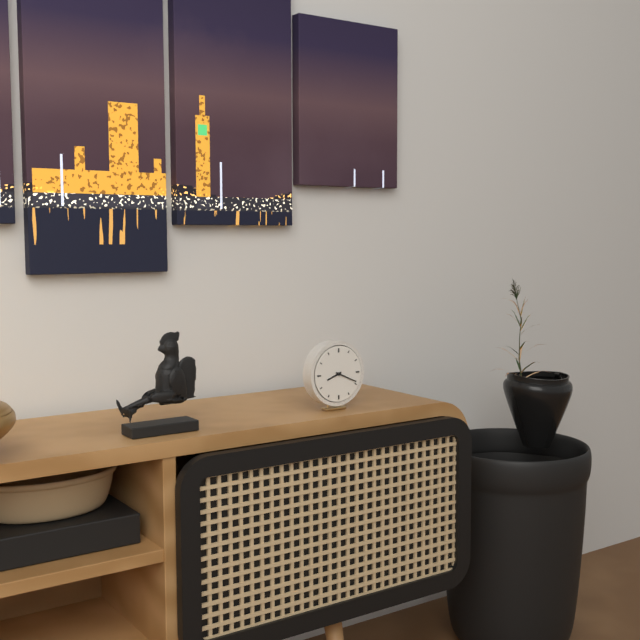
8:19
